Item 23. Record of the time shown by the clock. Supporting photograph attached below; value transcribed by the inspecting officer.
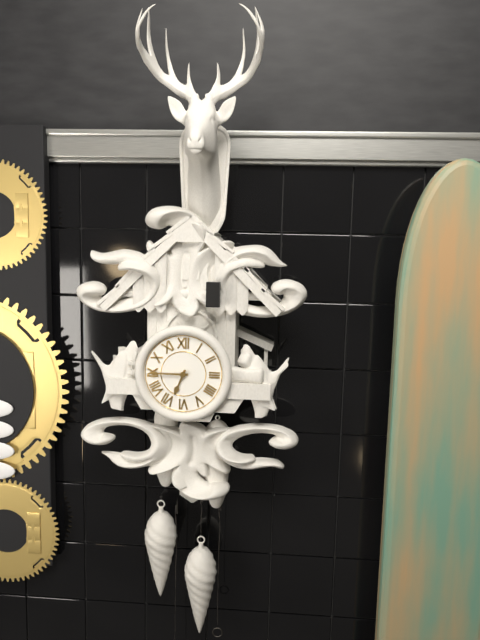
6:45
